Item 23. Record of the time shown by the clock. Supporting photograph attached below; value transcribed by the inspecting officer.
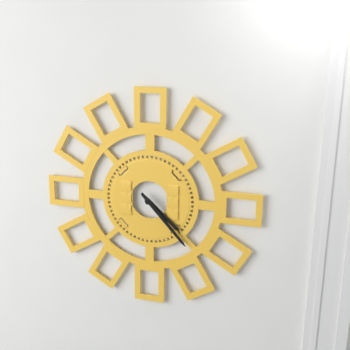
4:23
